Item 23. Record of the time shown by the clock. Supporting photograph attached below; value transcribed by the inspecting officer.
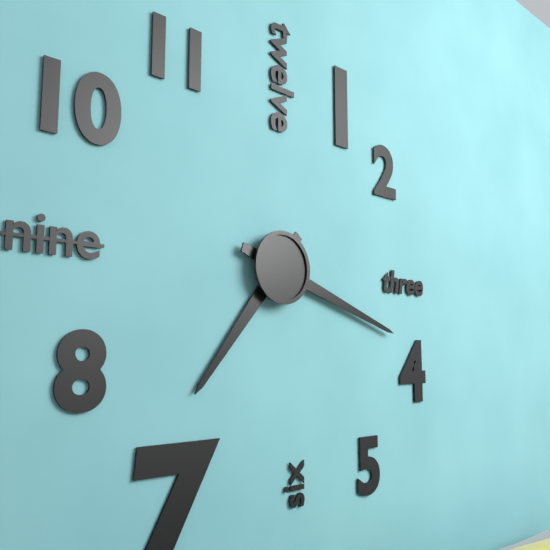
7:18
